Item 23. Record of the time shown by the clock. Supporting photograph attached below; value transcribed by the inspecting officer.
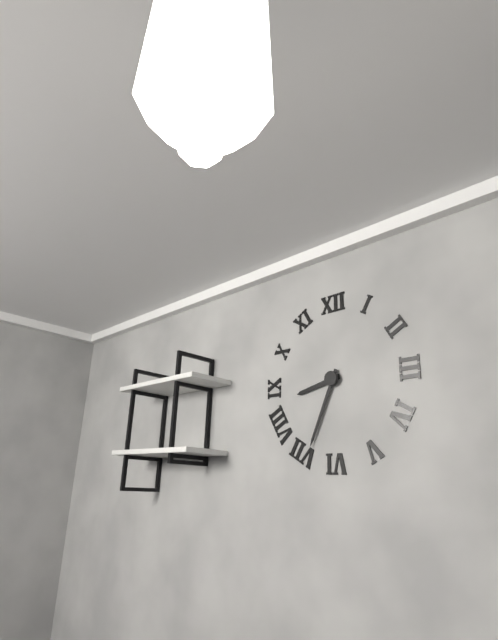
8:34
